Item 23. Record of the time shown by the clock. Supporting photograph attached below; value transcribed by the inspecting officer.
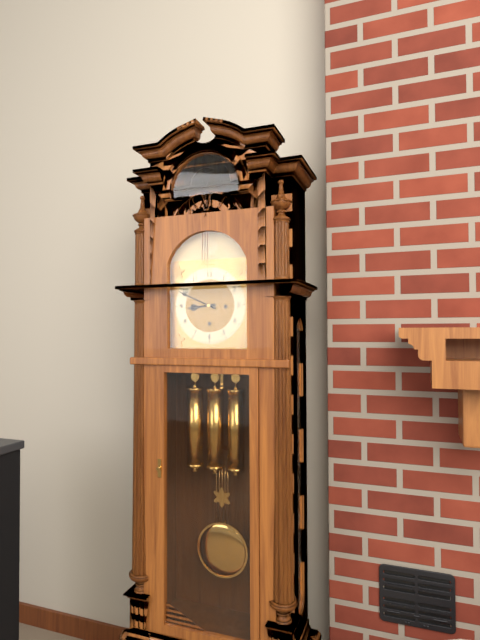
8:49
